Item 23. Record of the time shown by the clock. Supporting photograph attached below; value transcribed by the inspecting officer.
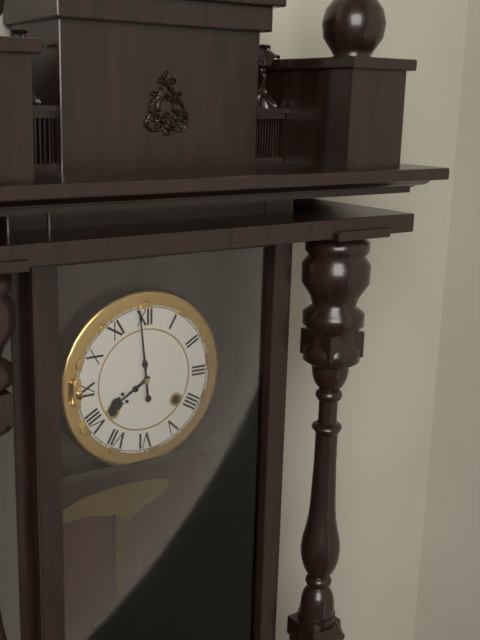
7:59
